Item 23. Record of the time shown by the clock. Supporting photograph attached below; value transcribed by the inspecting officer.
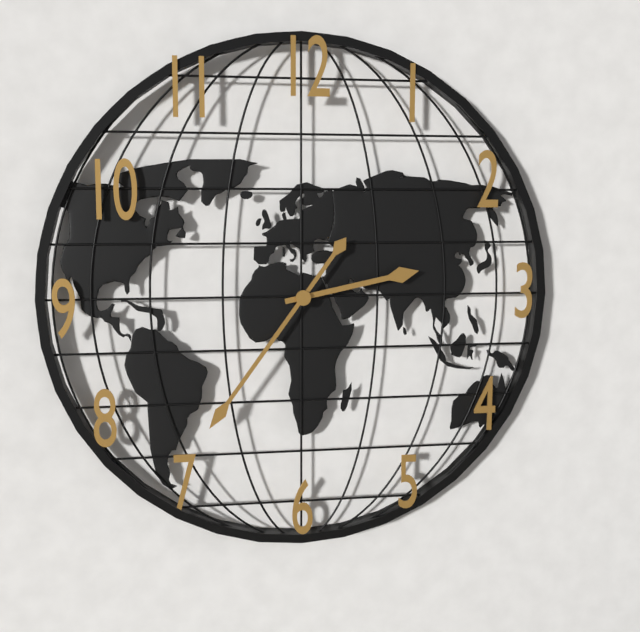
2:36
